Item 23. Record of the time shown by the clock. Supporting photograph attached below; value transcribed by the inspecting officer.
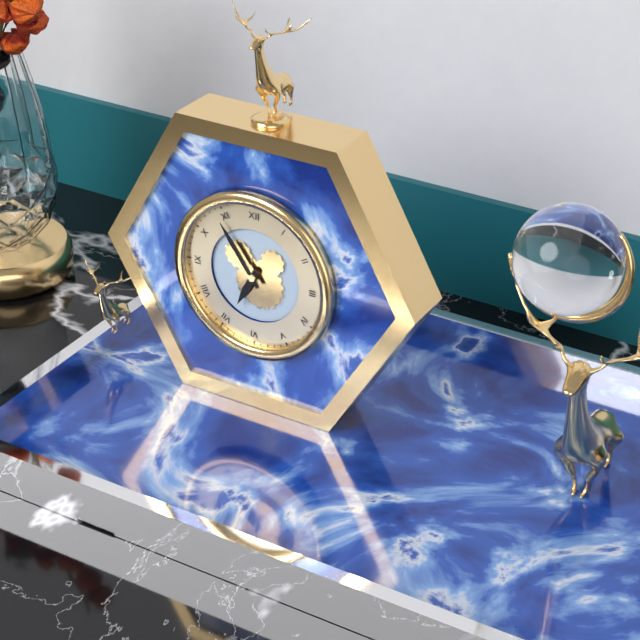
6:54
